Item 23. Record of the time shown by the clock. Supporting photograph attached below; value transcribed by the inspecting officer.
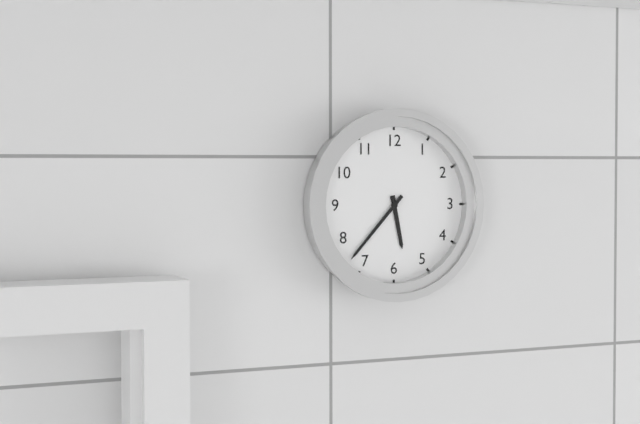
5:37
